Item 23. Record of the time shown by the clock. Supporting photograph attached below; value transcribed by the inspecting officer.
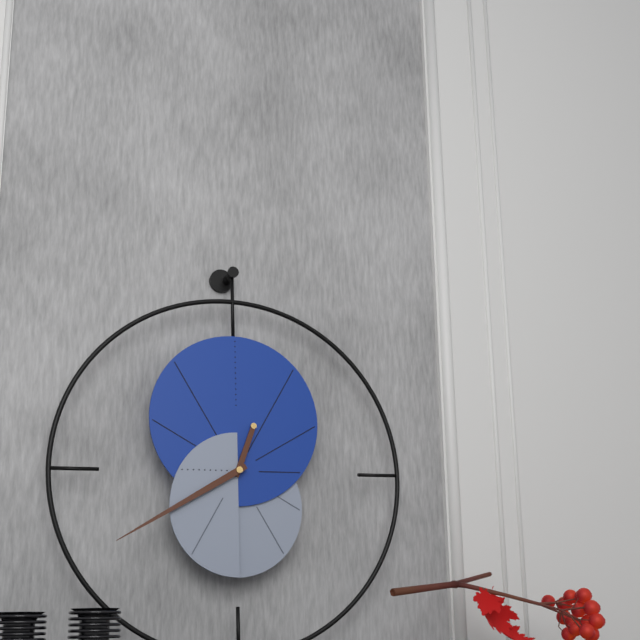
12:40
